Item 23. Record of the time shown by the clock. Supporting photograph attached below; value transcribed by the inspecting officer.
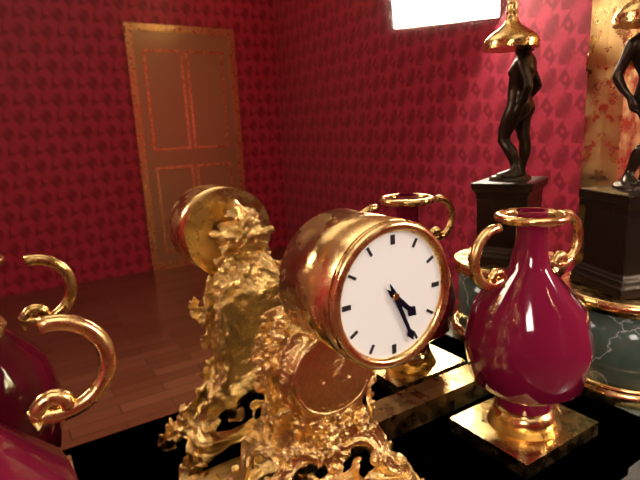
4:26
